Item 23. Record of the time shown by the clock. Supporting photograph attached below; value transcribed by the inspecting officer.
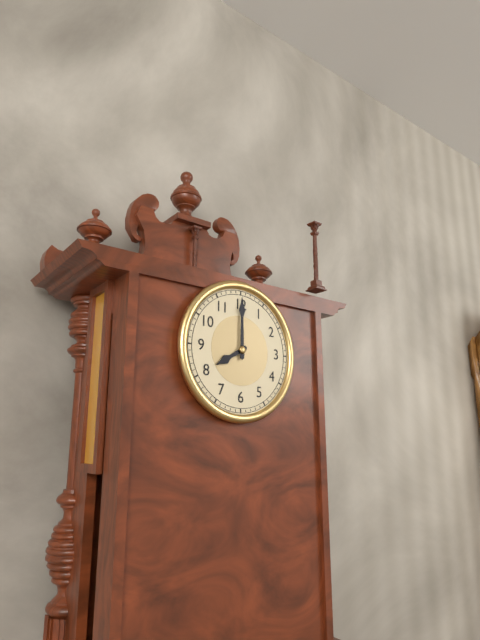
8:00
